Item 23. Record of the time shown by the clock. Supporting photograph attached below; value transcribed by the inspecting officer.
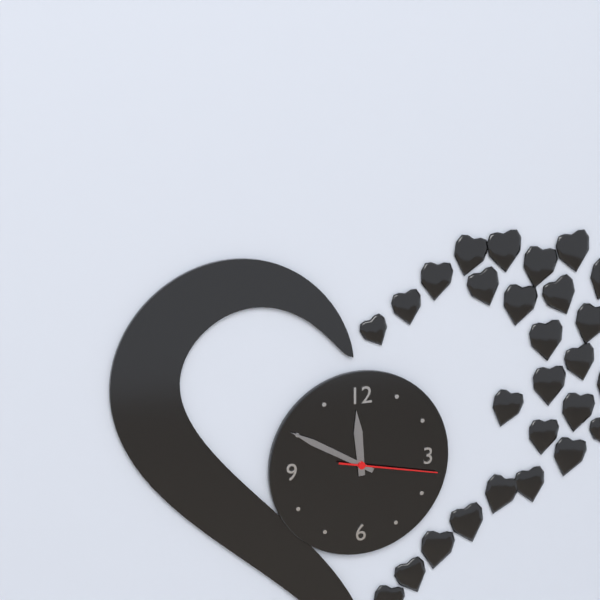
11:50:17
